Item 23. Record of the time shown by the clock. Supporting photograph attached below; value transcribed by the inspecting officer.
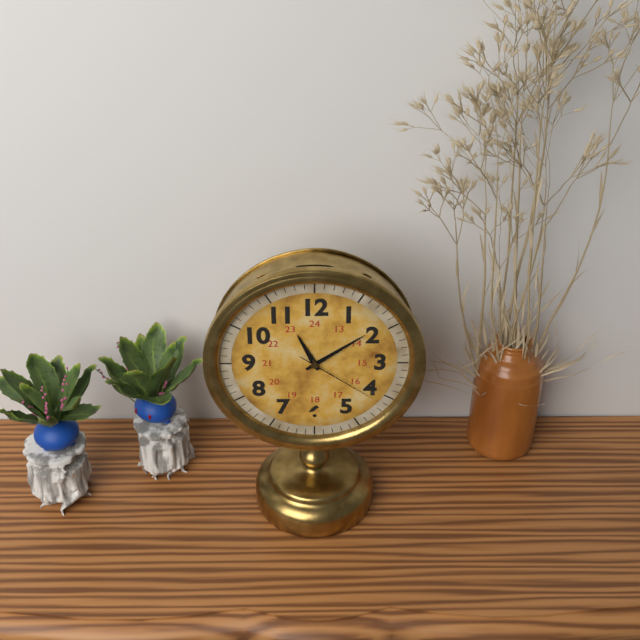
11:09:21
